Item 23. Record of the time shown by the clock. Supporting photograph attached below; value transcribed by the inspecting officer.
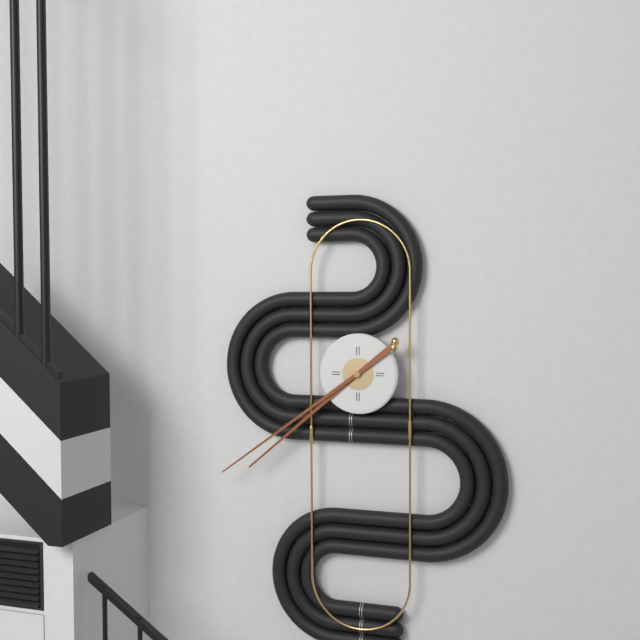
7:39
